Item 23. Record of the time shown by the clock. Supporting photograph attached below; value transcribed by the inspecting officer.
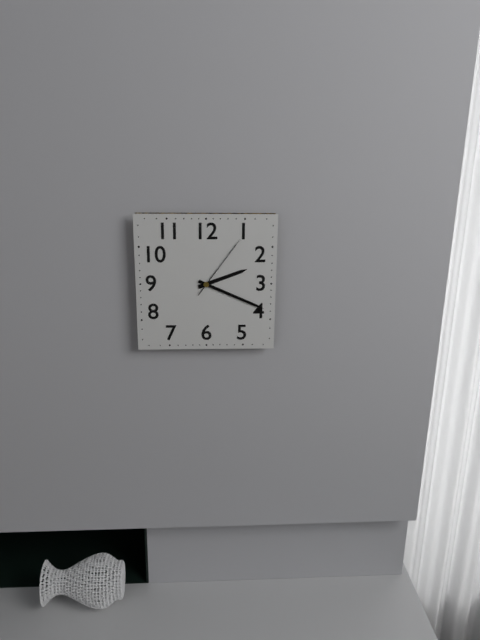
2:19:06
